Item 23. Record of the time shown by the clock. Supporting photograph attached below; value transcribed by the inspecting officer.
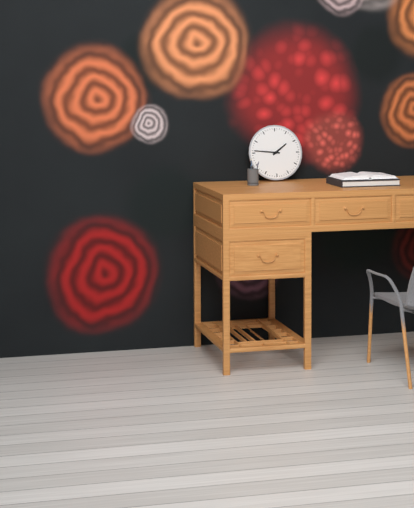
1:46
